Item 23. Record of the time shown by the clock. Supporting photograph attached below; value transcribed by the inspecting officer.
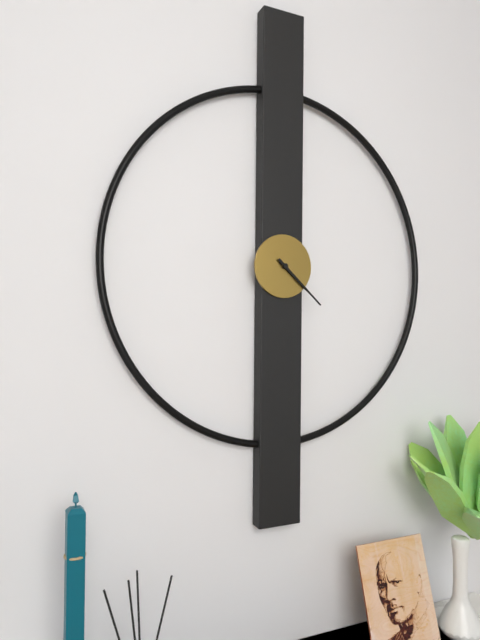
4:22
